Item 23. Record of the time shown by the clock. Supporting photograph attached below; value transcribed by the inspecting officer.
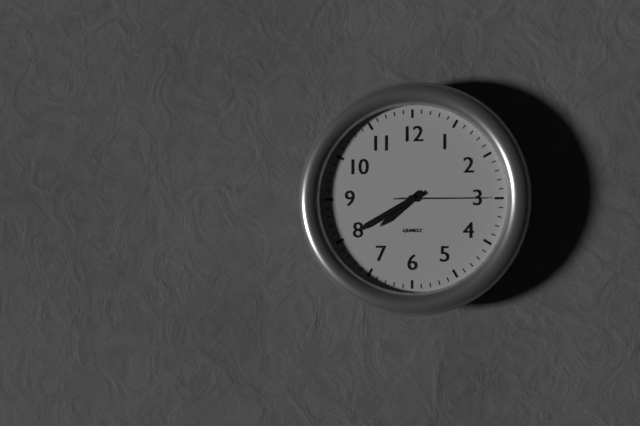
7:40:15
